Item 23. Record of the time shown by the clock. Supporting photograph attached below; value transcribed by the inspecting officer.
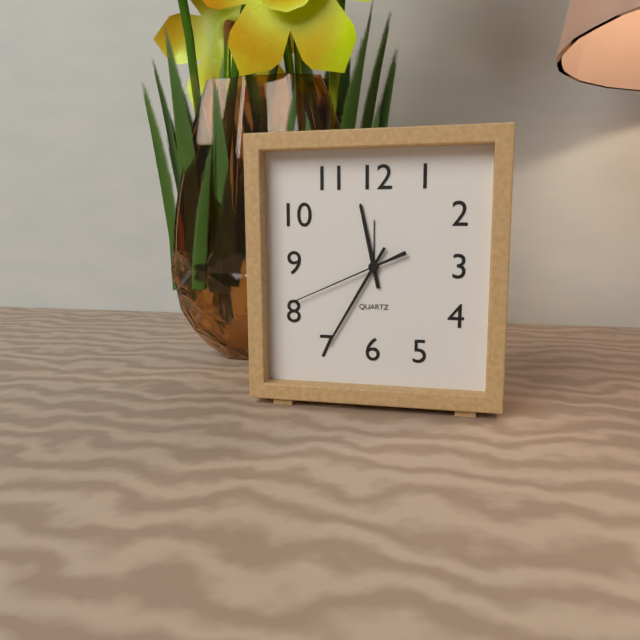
11:35:41
